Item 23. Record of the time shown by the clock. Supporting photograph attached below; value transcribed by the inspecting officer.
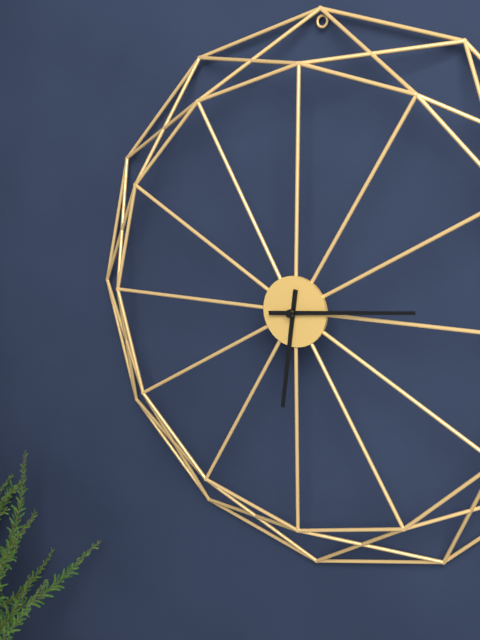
6:14
